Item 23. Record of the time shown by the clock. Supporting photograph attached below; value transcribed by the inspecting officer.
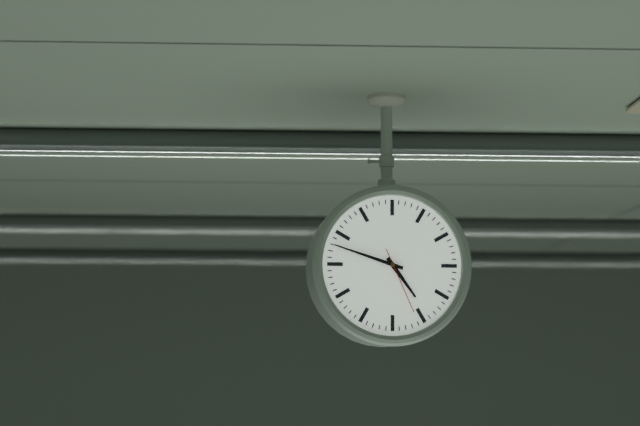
4:48:26
